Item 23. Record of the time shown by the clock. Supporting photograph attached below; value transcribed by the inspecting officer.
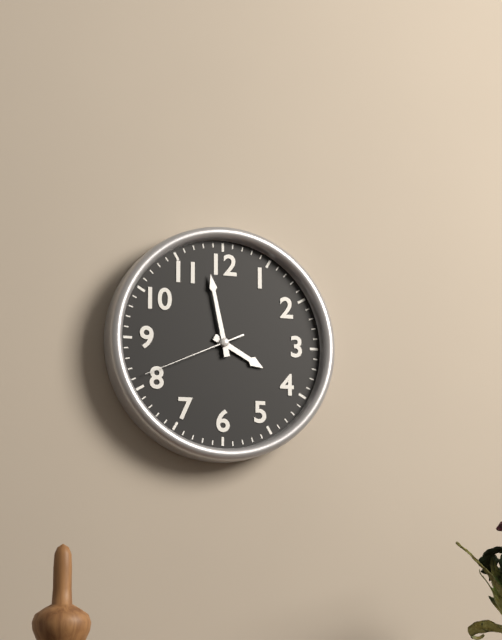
3:58:41
